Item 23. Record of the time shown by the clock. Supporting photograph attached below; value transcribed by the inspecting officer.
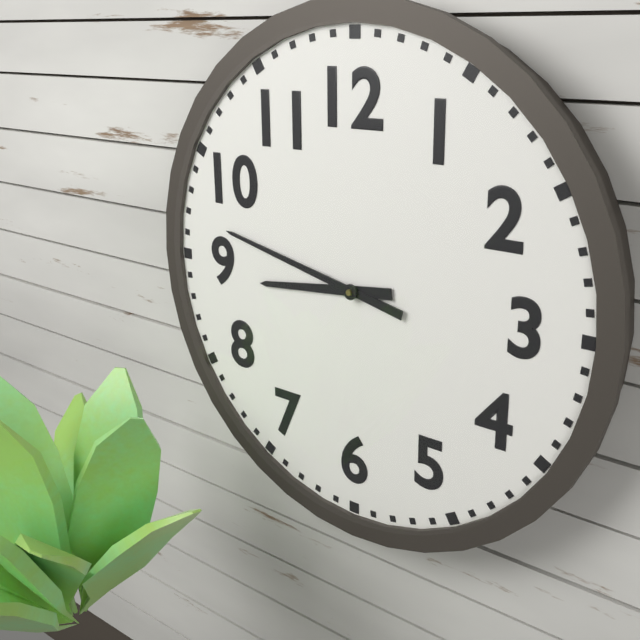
8:47
